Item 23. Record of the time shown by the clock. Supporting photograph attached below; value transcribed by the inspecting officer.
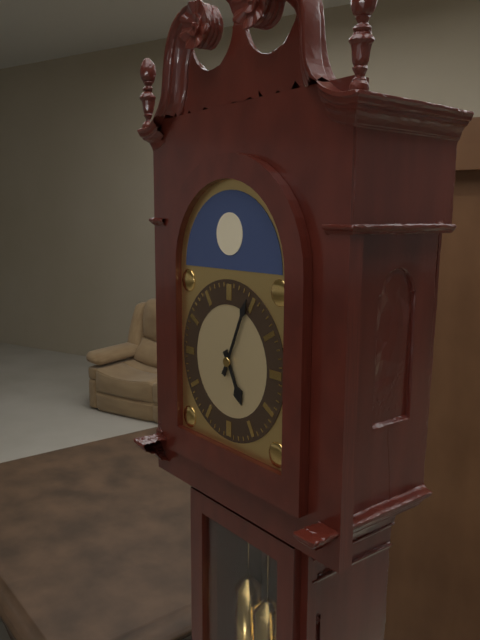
5:04
